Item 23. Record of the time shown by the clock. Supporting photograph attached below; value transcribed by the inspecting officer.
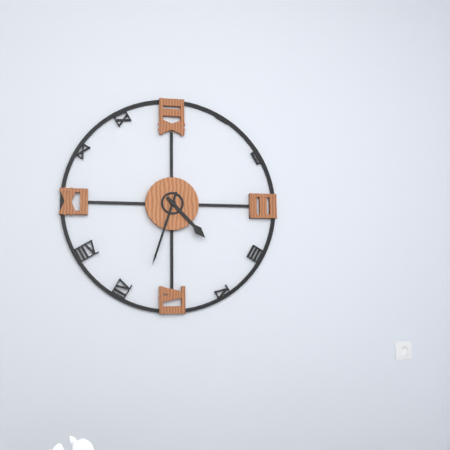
4:33
